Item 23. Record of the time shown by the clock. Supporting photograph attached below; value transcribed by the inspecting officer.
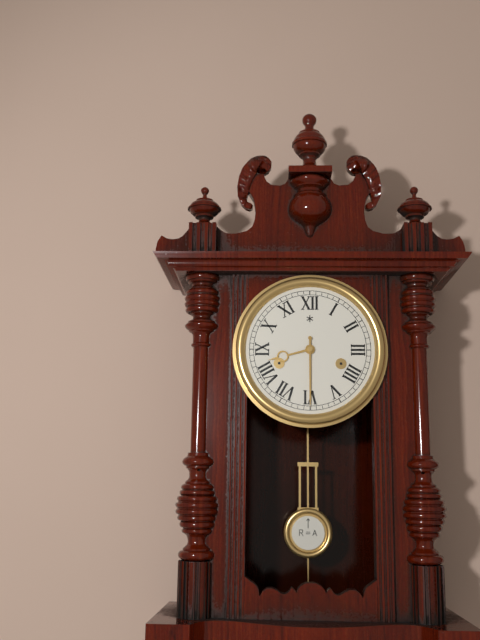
8:30
